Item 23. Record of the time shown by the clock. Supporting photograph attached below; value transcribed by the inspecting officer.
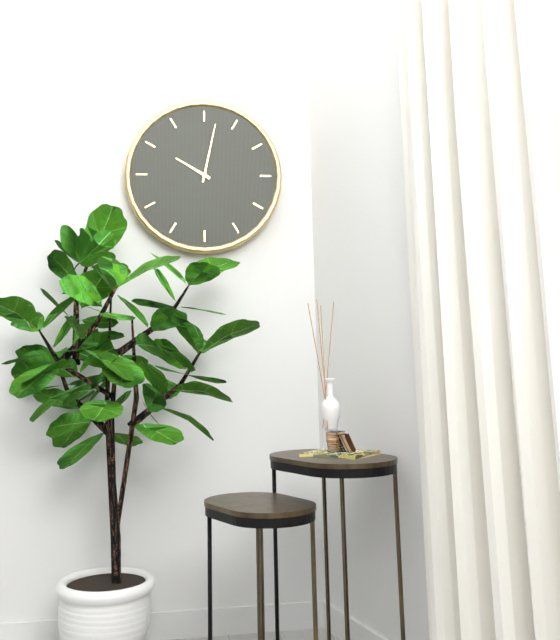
10:02
